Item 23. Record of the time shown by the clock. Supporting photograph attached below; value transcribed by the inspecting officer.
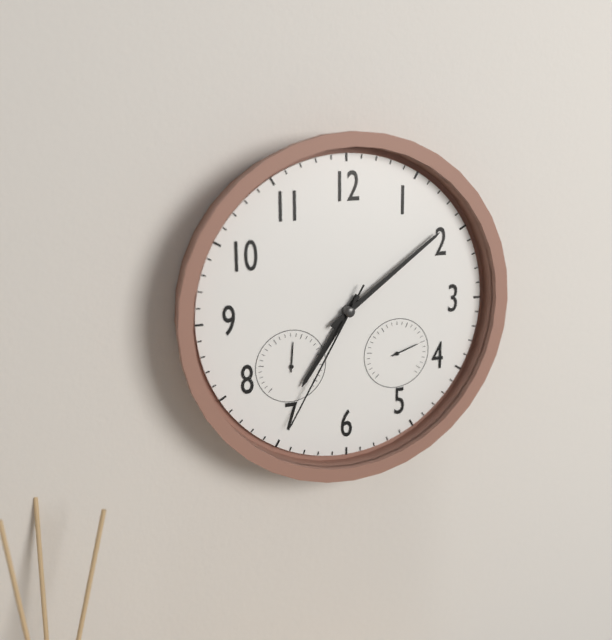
7:09:35
